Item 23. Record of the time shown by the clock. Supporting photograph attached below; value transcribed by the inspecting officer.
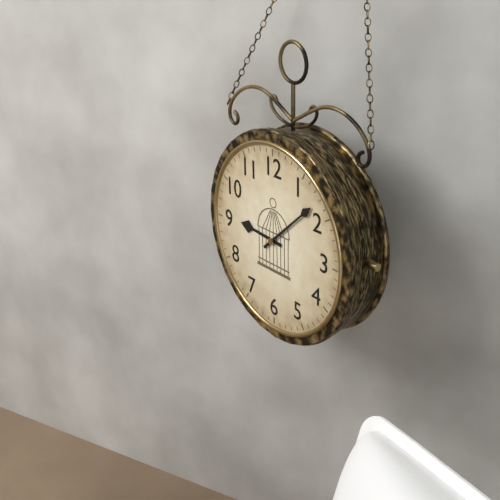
9:08
